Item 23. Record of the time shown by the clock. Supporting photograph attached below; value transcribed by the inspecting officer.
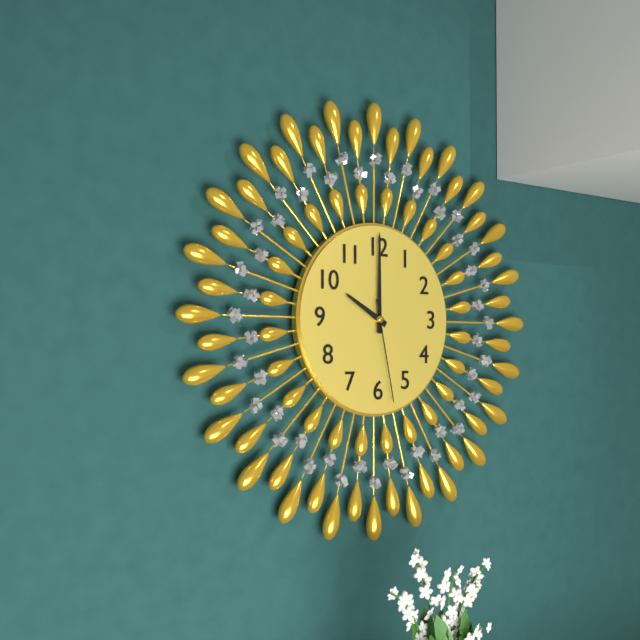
10:00:28
